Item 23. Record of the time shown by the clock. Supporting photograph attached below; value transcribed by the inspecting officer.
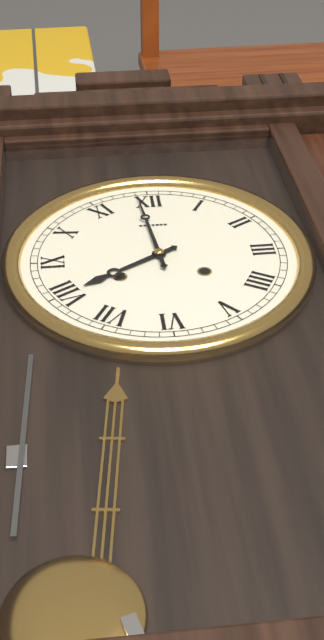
7:59
